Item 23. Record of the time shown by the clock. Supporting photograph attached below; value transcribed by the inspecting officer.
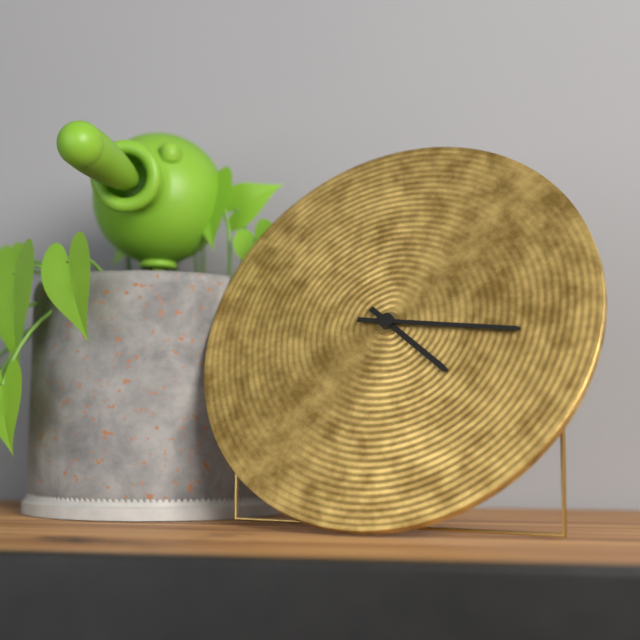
4:16
